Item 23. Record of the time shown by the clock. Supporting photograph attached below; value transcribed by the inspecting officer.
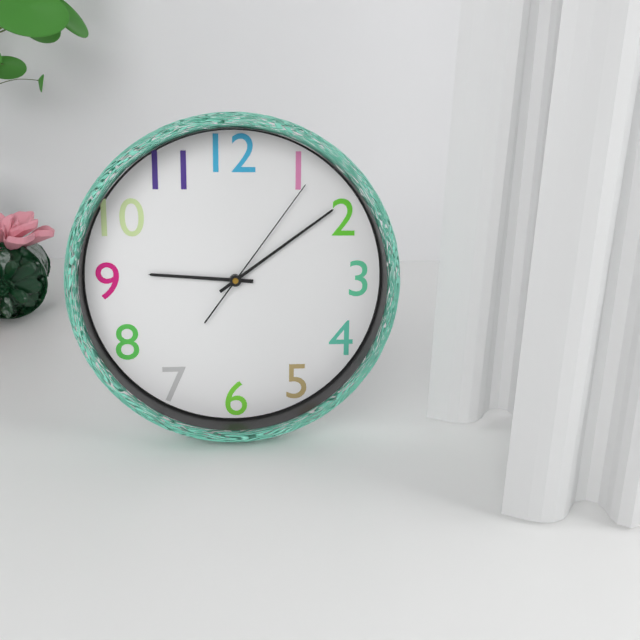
9:09:06
